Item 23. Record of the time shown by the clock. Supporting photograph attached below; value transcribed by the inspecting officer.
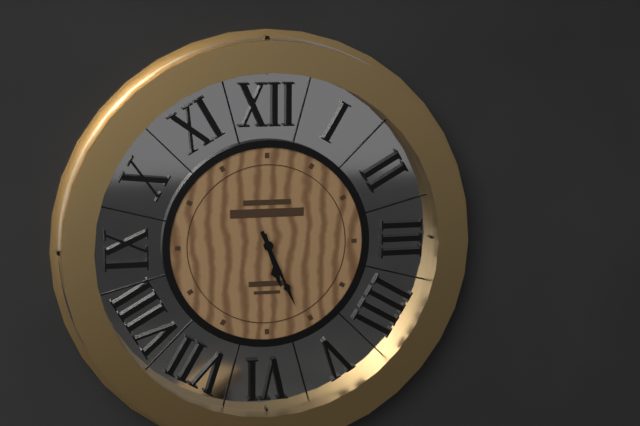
5:26
